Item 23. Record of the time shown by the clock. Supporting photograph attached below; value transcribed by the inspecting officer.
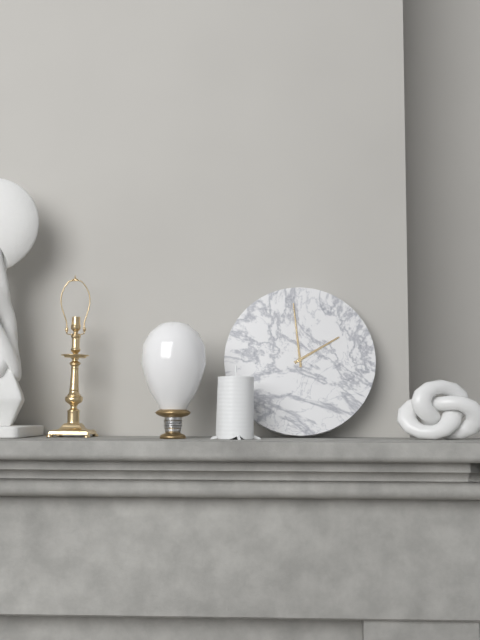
1:59
